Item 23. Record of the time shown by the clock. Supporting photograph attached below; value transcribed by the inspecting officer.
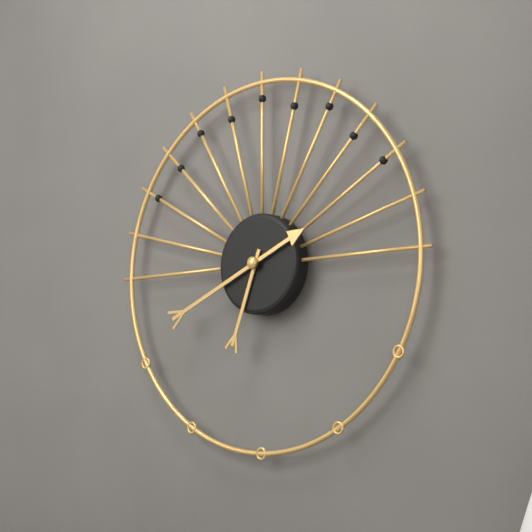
6:41
